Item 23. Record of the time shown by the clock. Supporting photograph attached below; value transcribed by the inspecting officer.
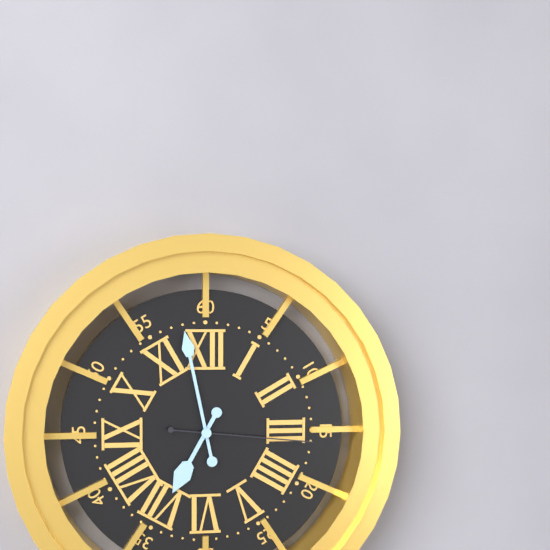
6:58:16
